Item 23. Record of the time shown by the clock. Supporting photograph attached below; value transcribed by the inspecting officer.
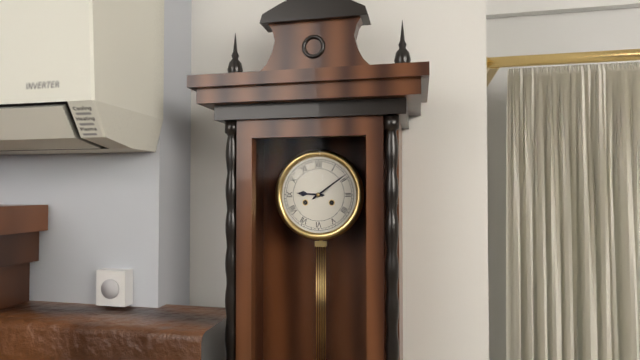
9:09
